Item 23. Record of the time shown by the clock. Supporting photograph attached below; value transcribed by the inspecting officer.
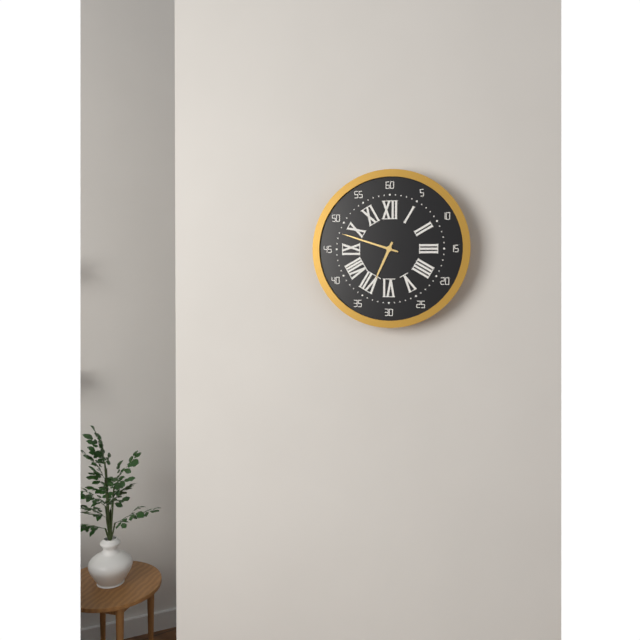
6:48
